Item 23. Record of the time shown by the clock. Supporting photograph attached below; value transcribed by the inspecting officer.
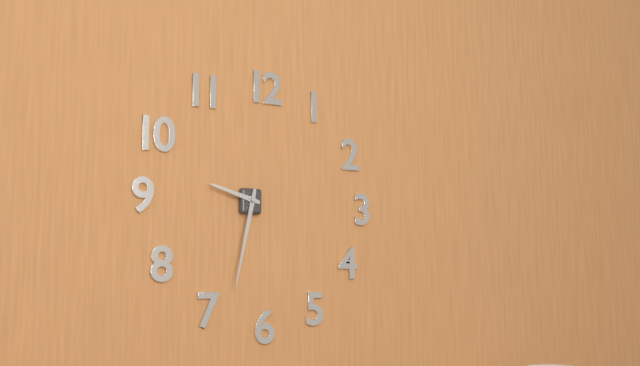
9:32
